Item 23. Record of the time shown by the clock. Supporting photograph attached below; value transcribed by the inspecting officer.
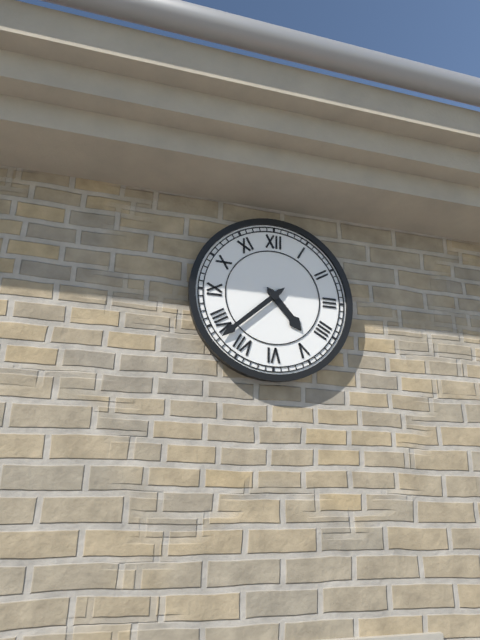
4:38
